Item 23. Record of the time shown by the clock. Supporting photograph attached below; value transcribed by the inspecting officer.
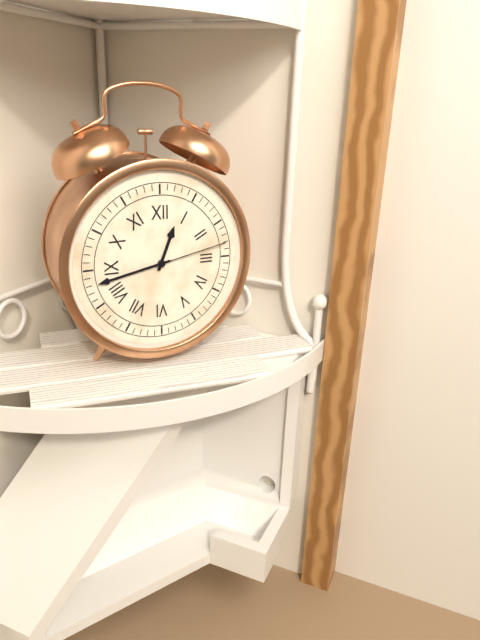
12:43:13
